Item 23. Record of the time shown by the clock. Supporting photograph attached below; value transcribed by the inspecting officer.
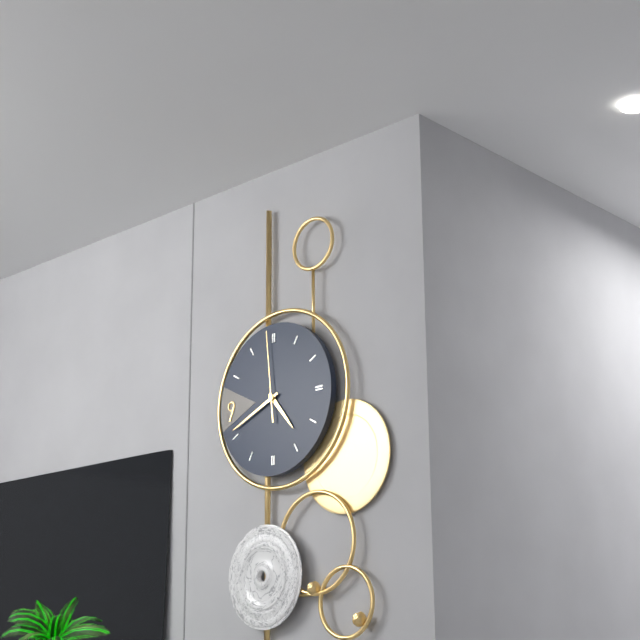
4:41:59
